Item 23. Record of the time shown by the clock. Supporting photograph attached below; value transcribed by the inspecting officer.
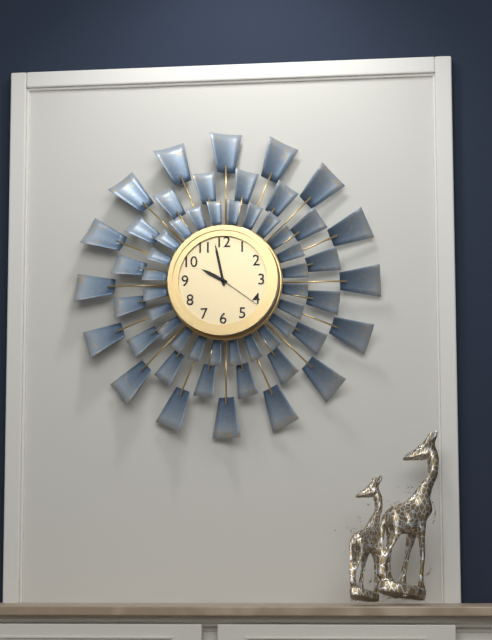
9:58:21
